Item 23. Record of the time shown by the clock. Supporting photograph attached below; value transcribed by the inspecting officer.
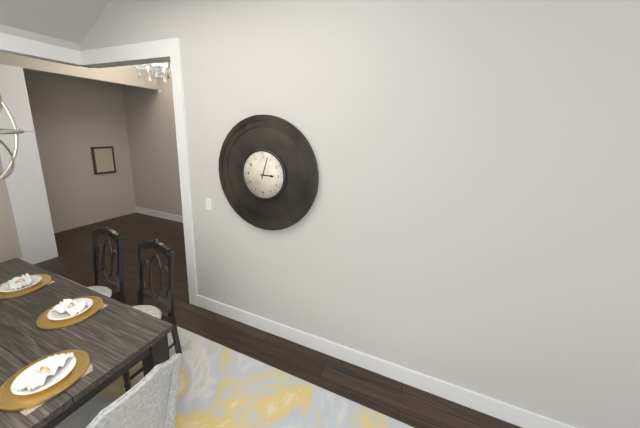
3:03
